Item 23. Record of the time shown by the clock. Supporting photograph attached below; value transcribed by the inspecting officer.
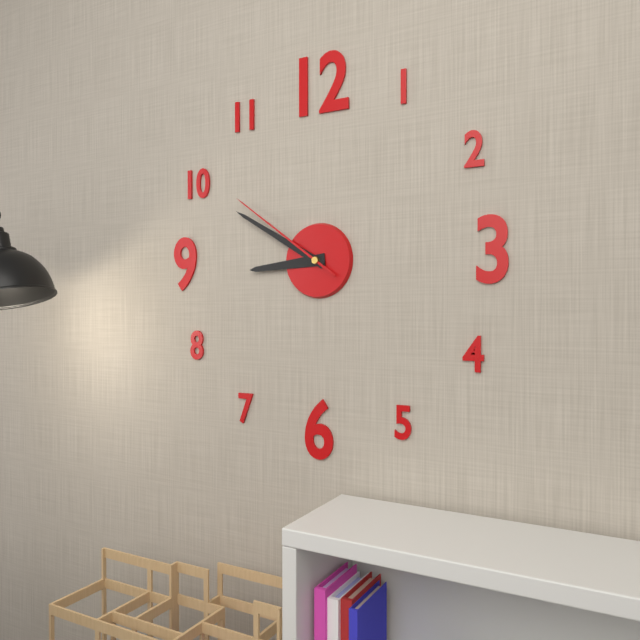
8:50:51
